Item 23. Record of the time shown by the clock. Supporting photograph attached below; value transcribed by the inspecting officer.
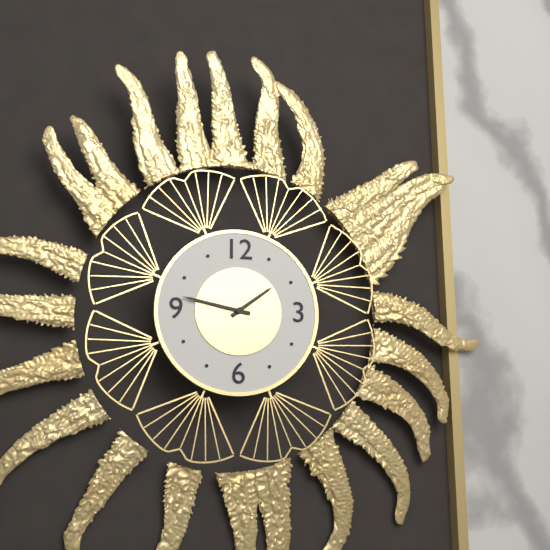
1:47
